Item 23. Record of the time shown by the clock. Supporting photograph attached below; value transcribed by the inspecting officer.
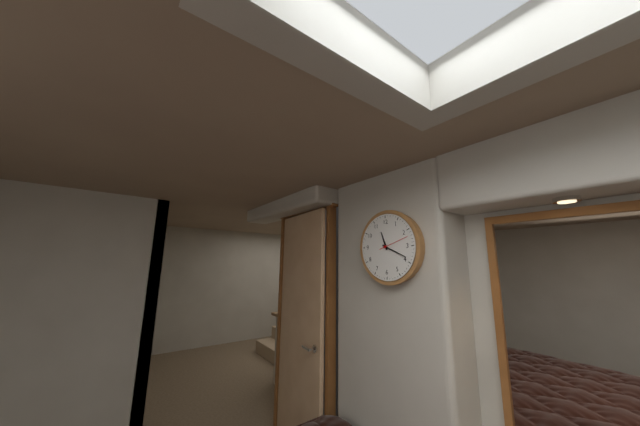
11:19
